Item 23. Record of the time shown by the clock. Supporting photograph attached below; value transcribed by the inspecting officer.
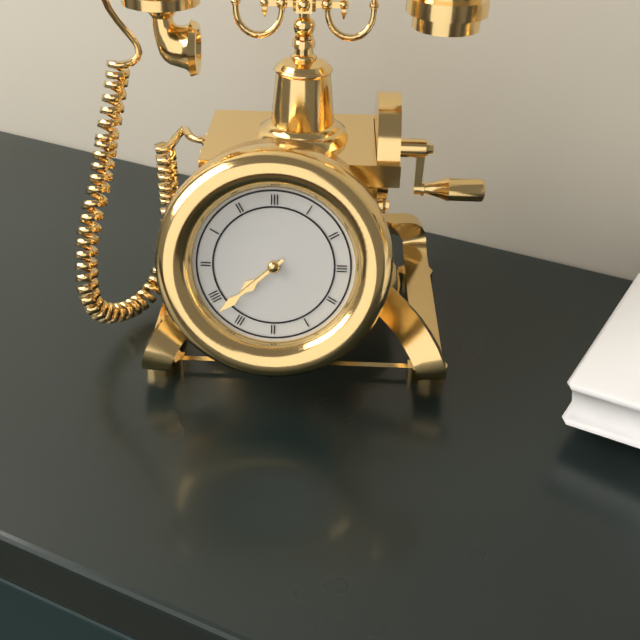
7:38
